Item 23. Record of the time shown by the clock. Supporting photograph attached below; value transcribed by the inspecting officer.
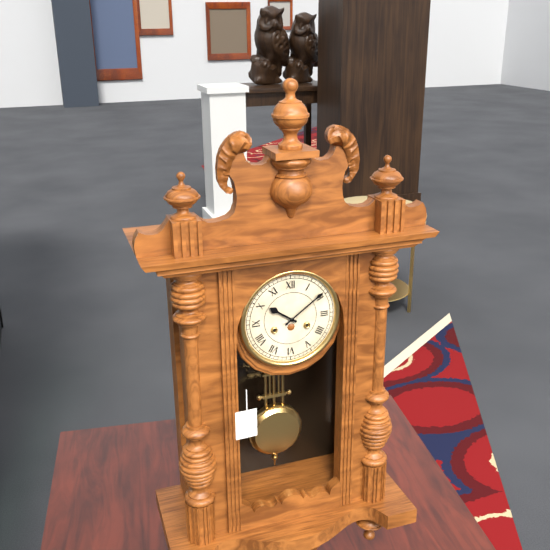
10:09
